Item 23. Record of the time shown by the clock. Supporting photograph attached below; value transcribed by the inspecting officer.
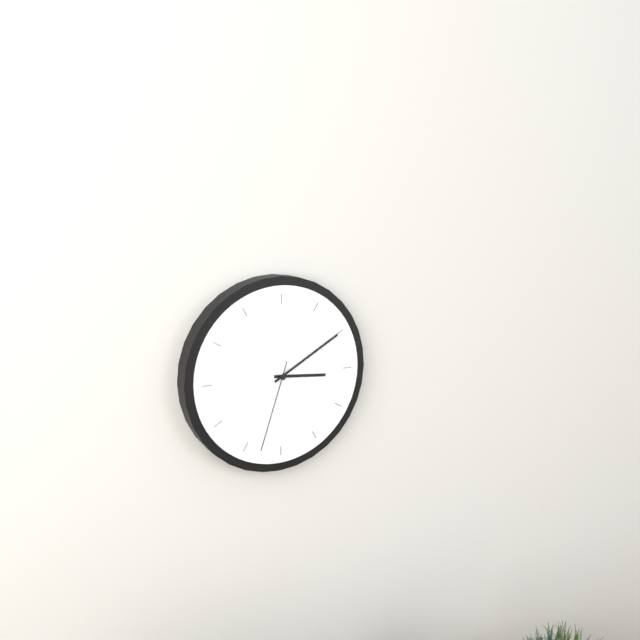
3:10:33
